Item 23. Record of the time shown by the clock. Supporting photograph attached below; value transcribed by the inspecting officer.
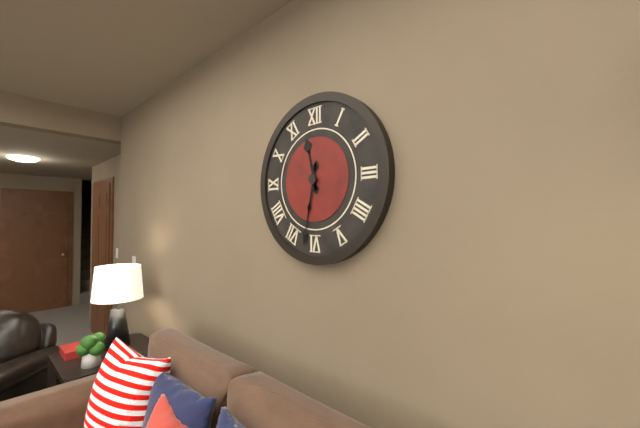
11:32
